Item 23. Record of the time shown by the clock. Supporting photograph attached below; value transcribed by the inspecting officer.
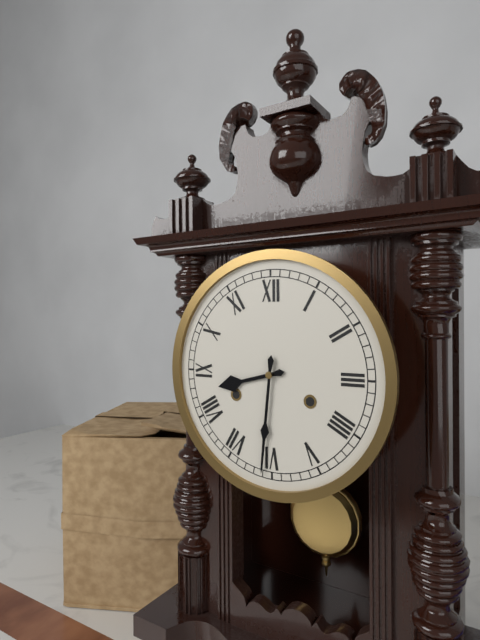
8:31
